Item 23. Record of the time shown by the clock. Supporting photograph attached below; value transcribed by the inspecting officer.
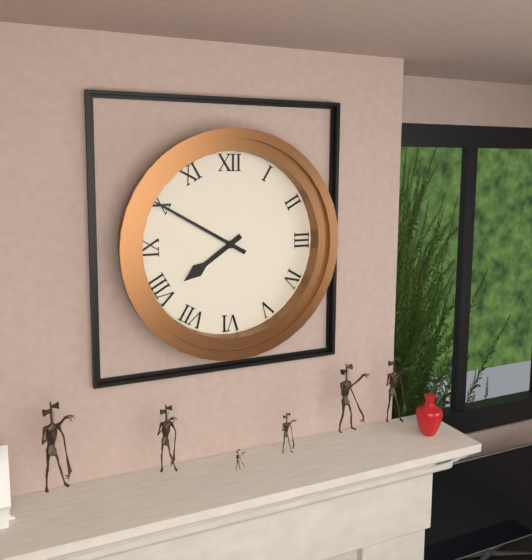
7:50
